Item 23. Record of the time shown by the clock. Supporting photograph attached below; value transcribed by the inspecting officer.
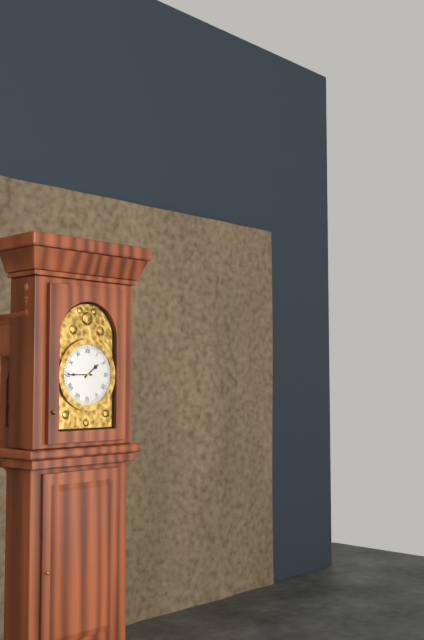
1:45
